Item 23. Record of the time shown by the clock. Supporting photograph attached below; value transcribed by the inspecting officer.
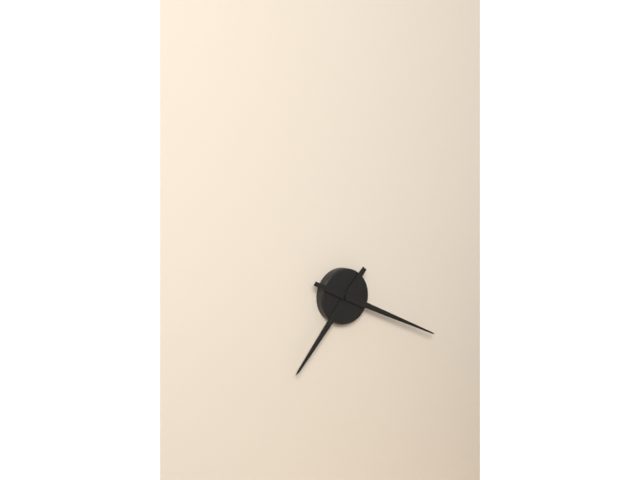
7:19
